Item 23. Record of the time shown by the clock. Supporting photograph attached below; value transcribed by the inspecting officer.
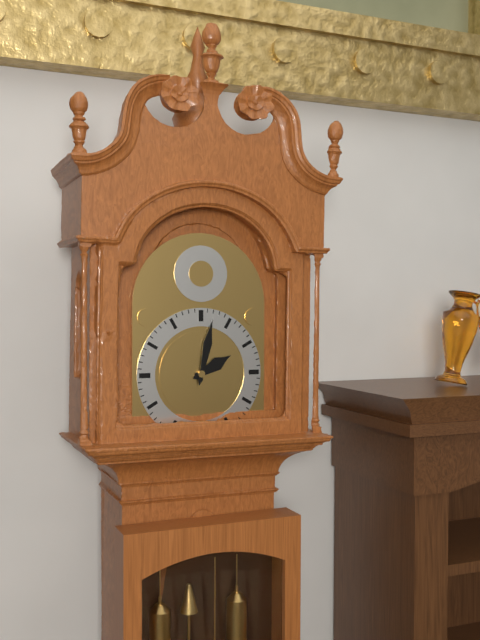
2:02
